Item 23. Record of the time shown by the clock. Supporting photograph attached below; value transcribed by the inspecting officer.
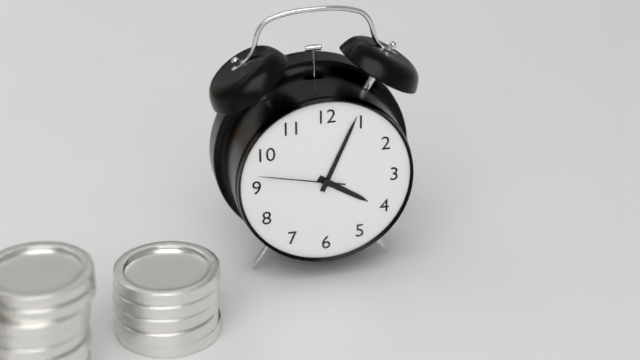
4:04:47
